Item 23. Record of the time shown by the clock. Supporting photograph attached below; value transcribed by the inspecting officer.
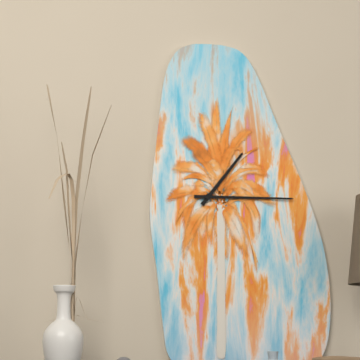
1:15
